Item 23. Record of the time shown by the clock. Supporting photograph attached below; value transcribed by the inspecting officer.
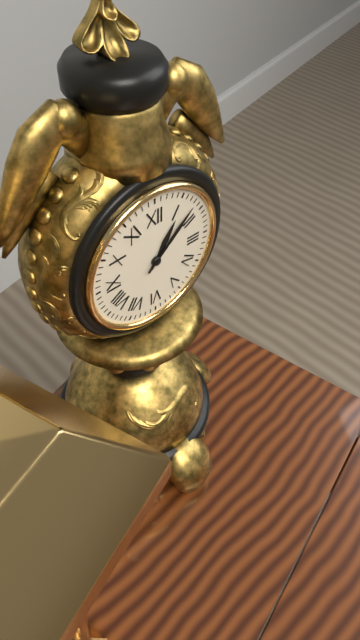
1:08
